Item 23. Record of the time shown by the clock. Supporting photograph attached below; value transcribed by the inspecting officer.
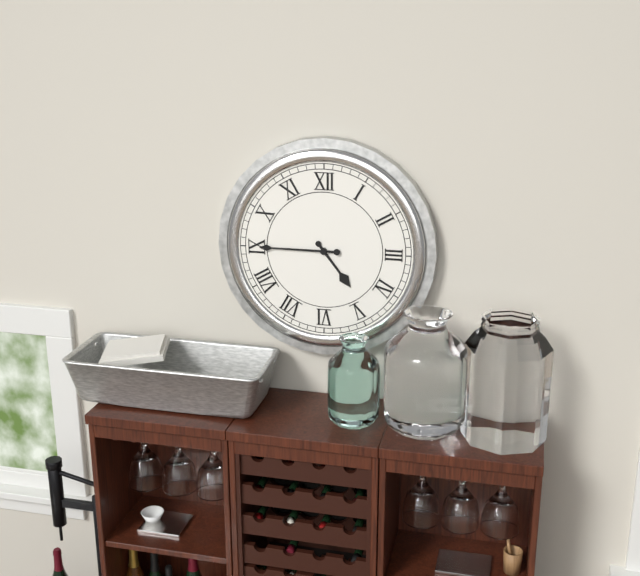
4:45
